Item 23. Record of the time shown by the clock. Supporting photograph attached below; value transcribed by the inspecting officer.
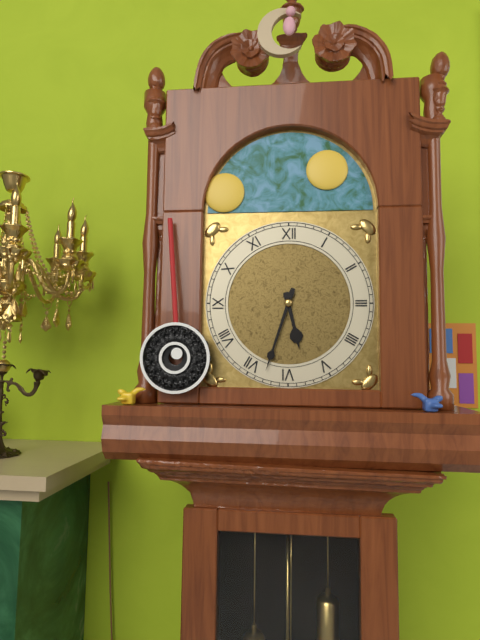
5:33
